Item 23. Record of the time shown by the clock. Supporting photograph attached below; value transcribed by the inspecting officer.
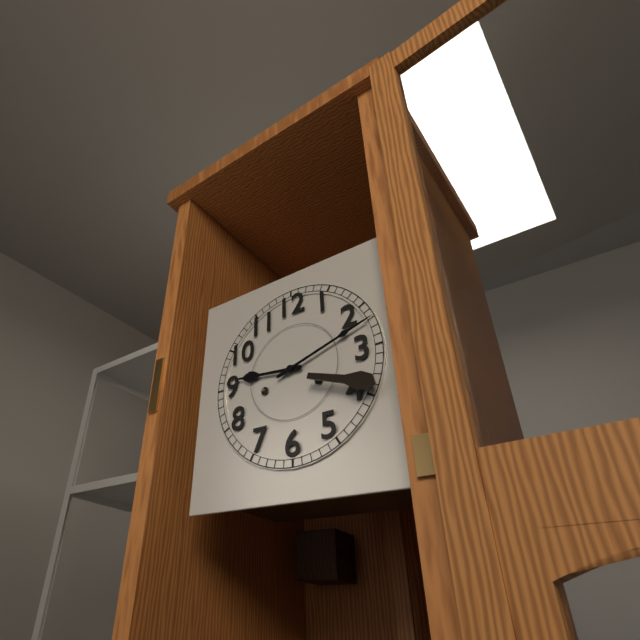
9:12
